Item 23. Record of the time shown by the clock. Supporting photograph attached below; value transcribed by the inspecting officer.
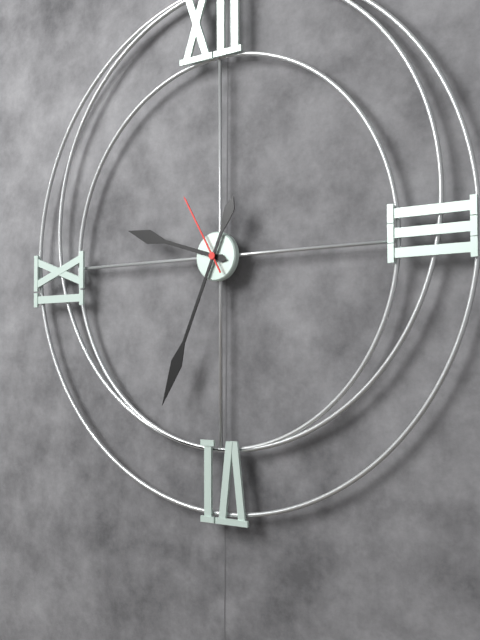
9:34:55
